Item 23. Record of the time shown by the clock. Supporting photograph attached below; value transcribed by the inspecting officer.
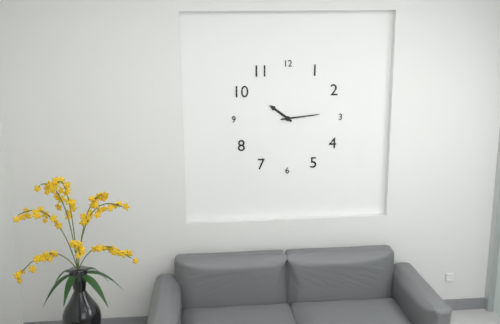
10:14
